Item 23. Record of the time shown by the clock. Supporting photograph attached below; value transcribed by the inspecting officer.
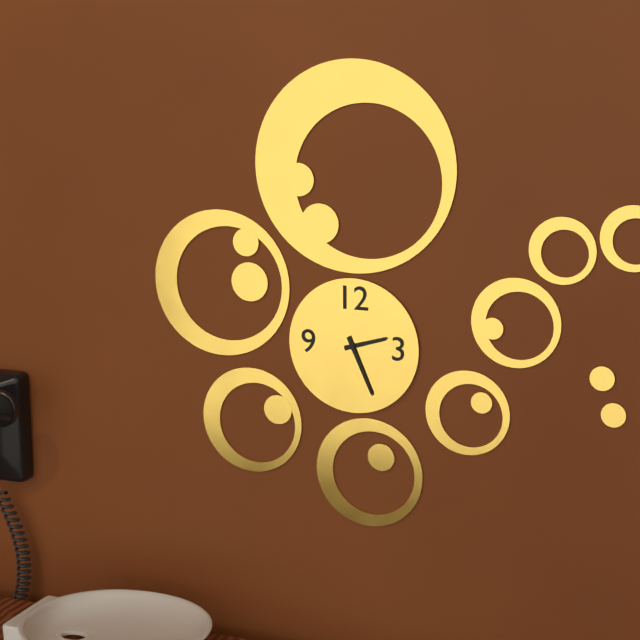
2:26
